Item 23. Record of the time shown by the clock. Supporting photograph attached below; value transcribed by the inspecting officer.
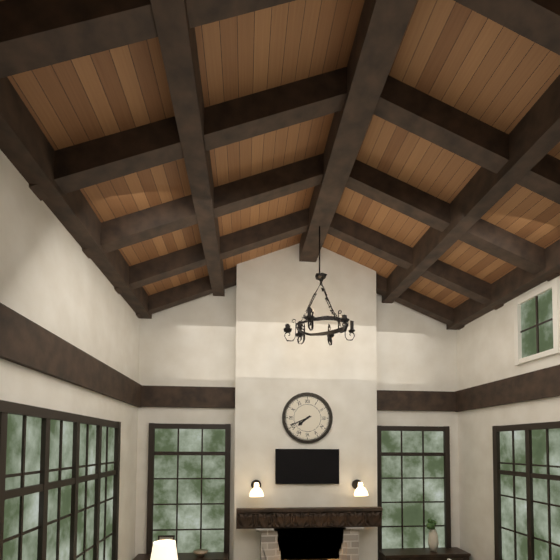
7:41
